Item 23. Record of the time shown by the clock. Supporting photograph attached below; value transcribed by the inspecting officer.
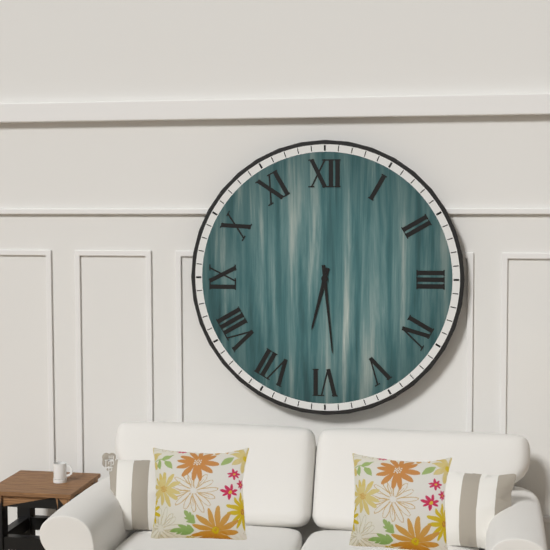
6:29
